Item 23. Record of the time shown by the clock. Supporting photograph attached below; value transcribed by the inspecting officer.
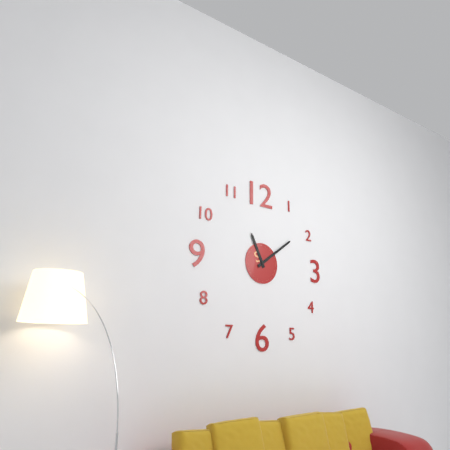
11:09
